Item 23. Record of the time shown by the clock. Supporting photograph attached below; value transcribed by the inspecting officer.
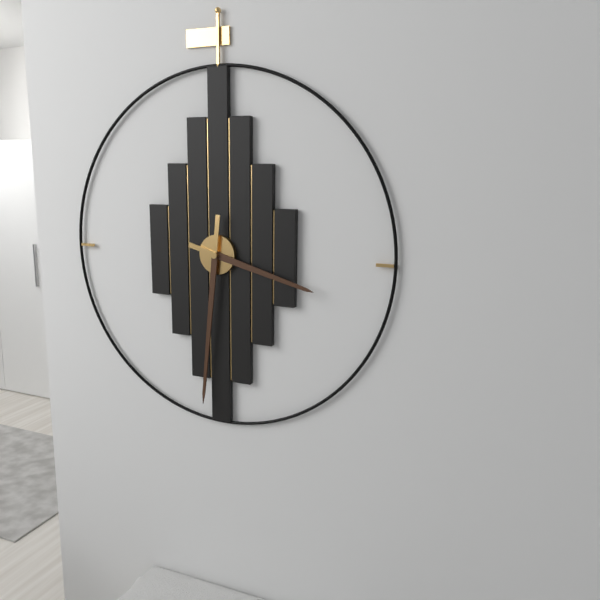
3:31
